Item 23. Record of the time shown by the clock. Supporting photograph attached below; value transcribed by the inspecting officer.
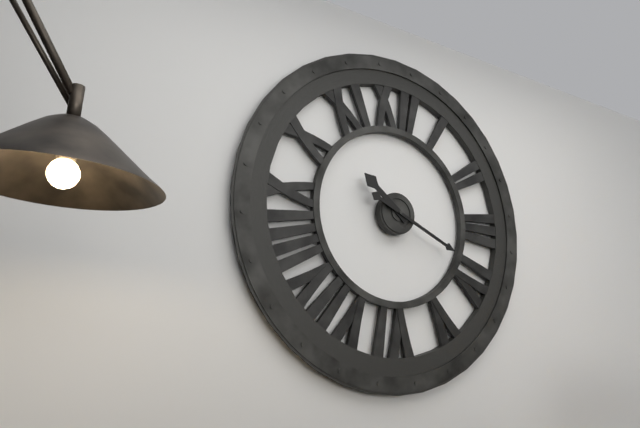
10:19
